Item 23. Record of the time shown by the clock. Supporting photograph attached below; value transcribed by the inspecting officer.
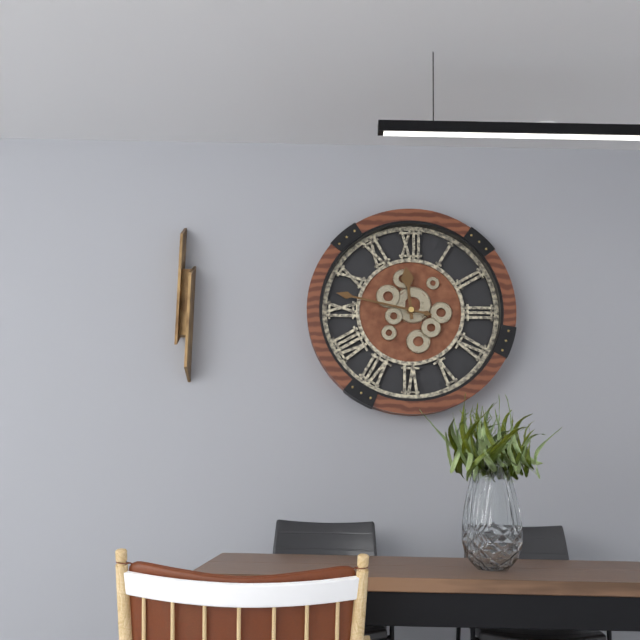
11:47
